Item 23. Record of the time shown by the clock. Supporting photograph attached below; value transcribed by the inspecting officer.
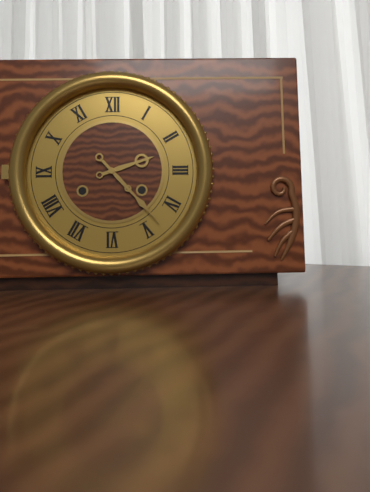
2:23
